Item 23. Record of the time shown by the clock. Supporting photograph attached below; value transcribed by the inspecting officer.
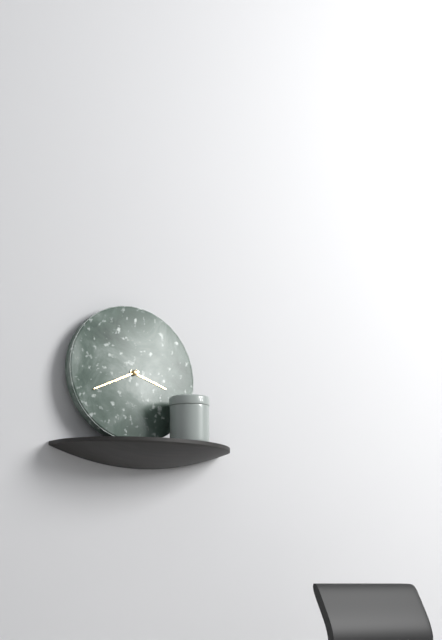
3:41
